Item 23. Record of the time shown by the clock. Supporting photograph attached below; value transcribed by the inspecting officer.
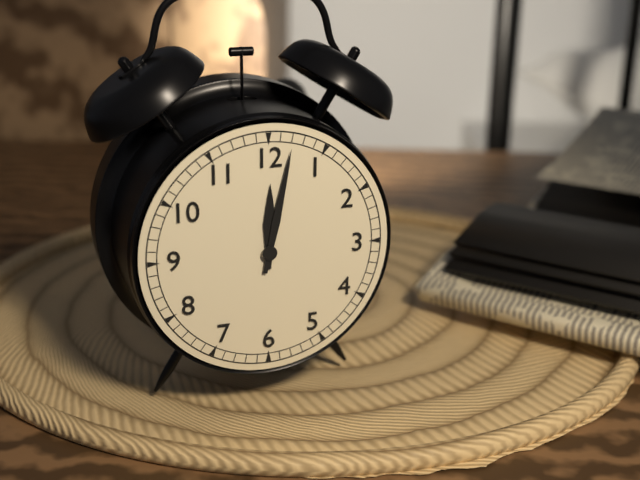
12:02
